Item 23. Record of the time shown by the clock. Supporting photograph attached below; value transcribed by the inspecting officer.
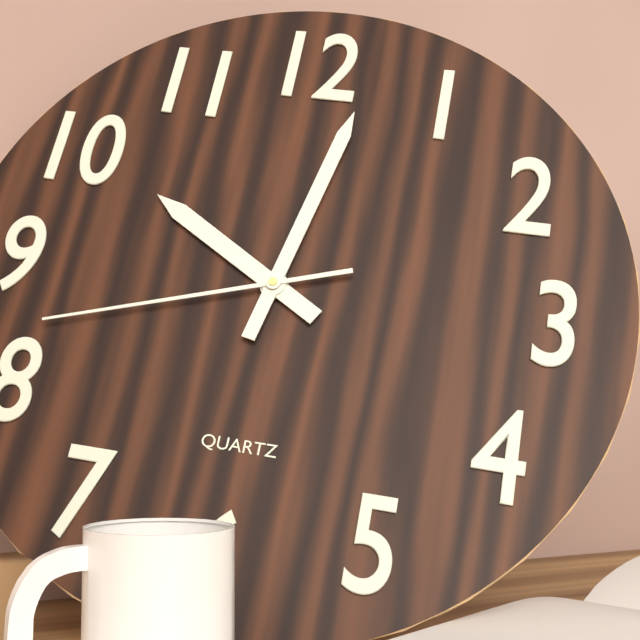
10:02:42
